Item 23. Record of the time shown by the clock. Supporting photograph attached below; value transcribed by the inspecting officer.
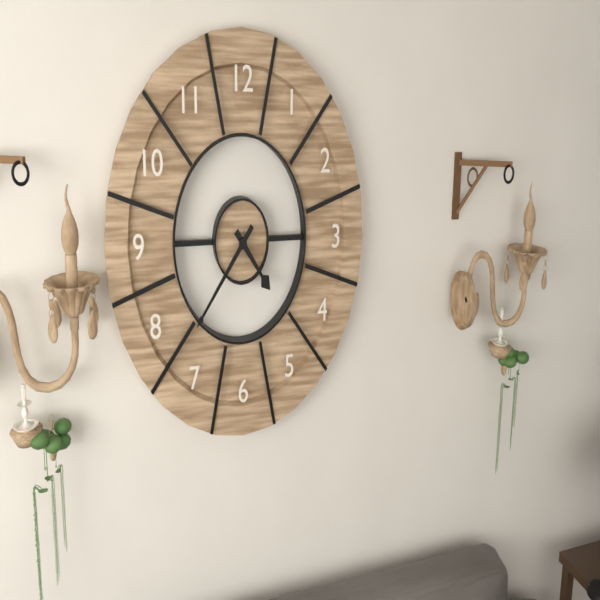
4:37
